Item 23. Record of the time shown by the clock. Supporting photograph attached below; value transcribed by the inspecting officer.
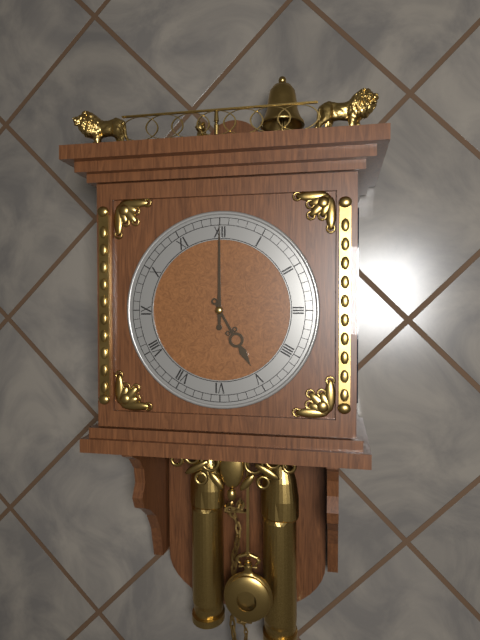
5:00
